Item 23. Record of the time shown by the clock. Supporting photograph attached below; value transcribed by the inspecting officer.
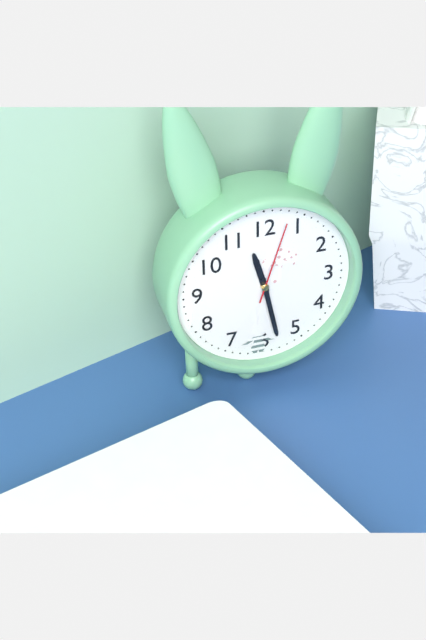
11:28:03
